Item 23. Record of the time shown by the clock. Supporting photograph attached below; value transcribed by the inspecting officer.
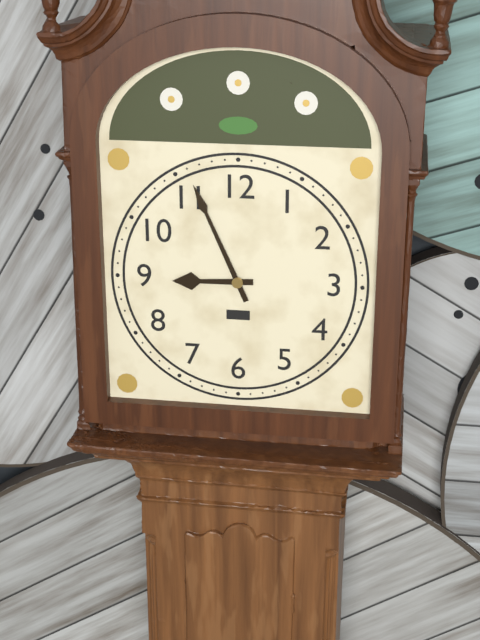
8:56
